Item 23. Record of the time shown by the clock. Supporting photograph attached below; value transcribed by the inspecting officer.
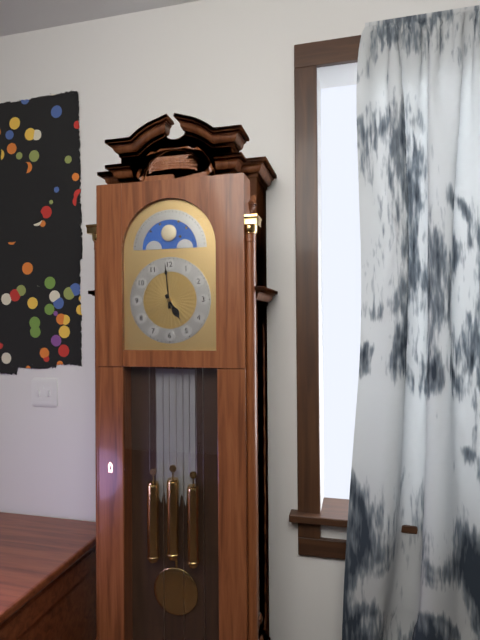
4:59
